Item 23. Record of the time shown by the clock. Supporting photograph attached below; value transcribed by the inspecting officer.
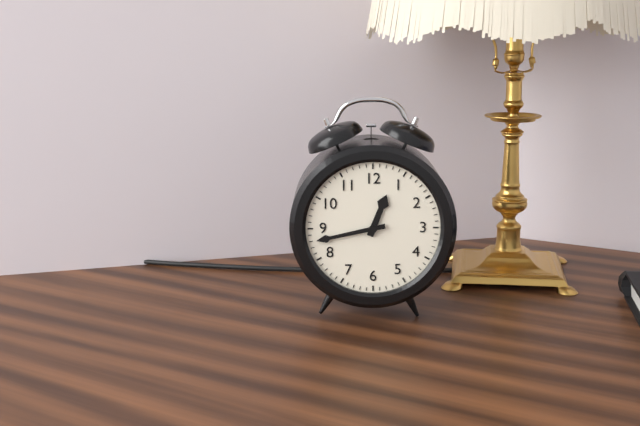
12:43
